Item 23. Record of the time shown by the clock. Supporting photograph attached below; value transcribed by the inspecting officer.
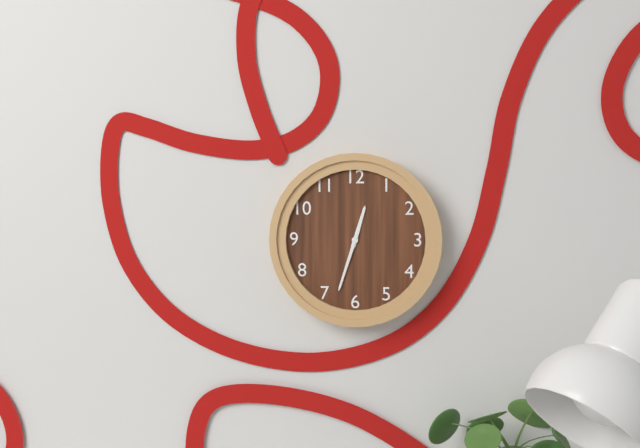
12:33
